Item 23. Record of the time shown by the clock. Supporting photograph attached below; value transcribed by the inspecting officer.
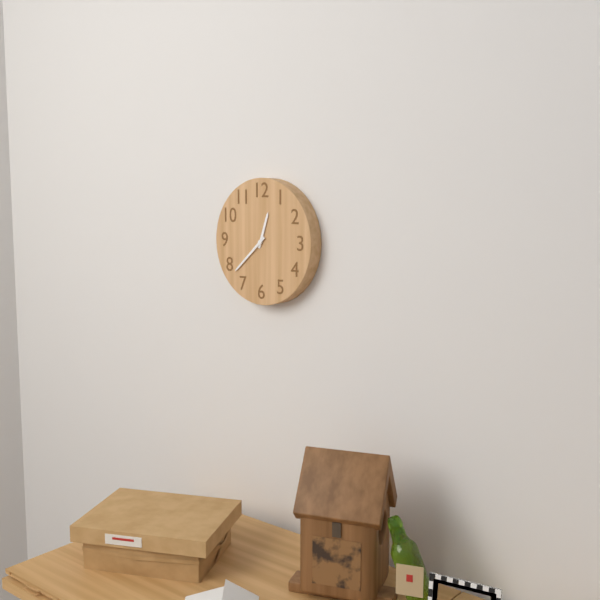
12:38
